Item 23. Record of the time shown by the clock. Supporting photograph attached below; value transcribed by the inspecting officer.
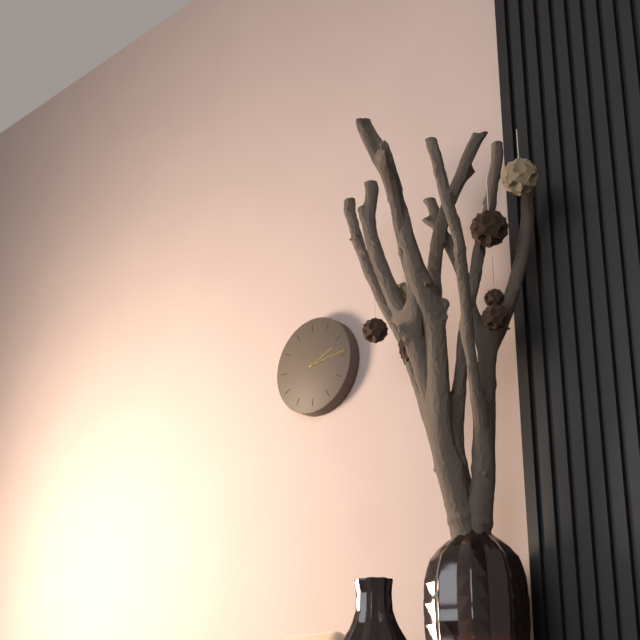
2:14
